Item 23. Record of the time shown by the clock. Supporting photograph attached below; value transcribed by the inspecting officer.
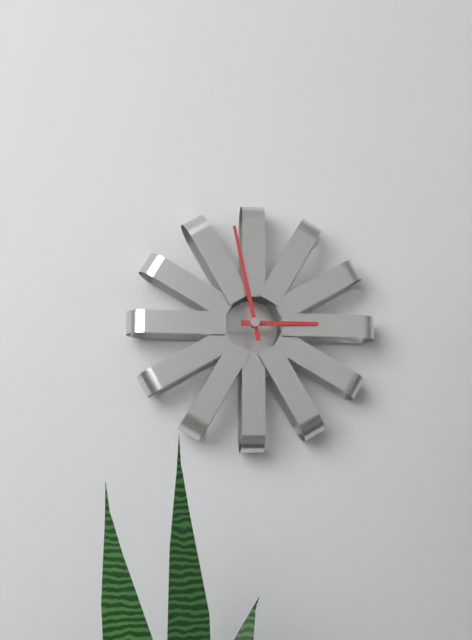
2:58
